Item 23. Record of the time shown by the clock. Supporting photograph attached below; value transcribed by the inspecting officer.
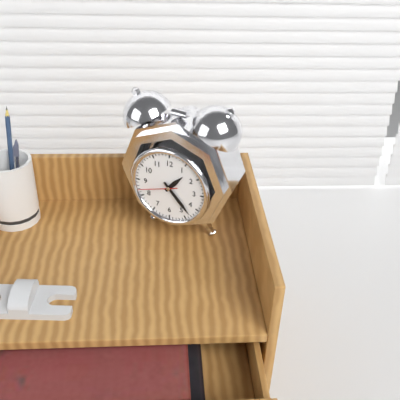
1:23
